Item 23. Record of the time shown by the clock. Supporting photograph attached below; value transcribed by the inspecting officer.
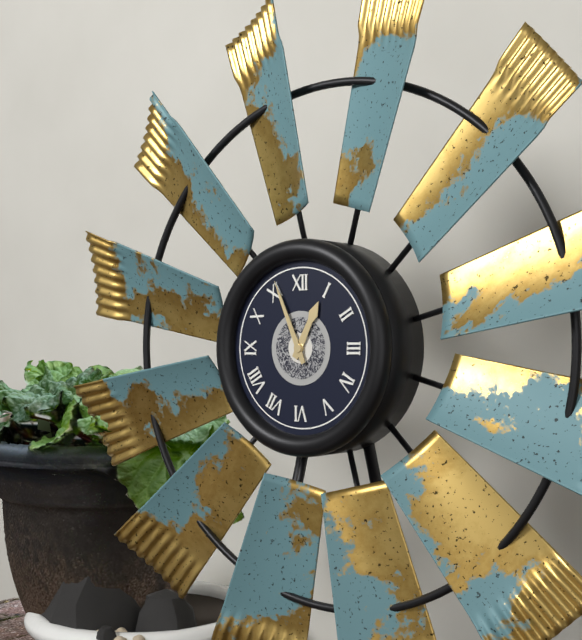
12:56
